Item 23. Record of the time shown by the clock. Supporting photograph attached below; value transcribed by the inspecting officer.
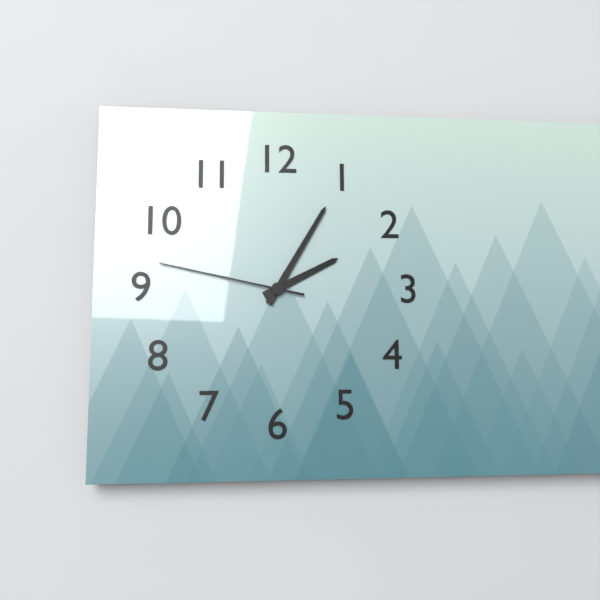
2:05:47
